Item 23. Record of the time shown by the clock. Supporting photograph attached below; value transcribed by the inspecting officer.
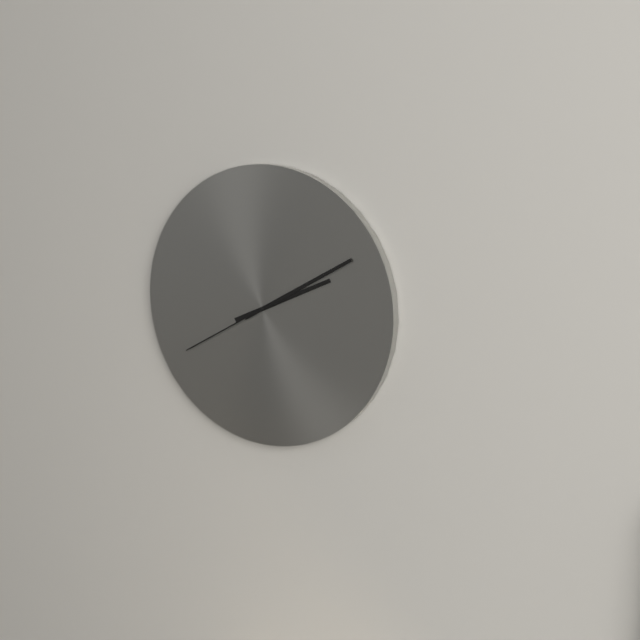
2:10:40
